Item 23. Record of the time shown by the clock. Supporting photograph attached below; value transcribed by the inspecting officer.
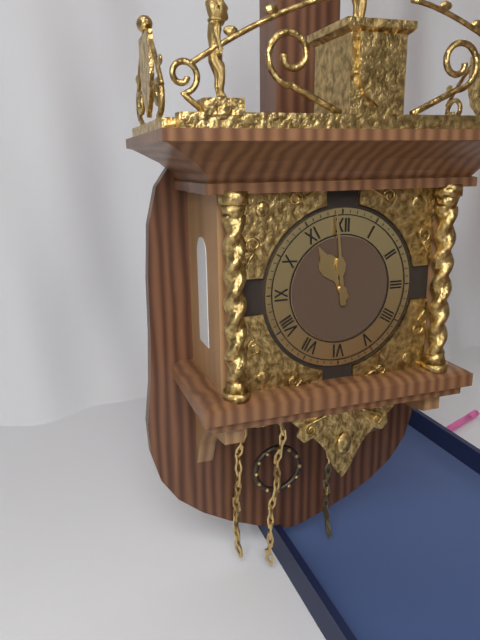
10:59
